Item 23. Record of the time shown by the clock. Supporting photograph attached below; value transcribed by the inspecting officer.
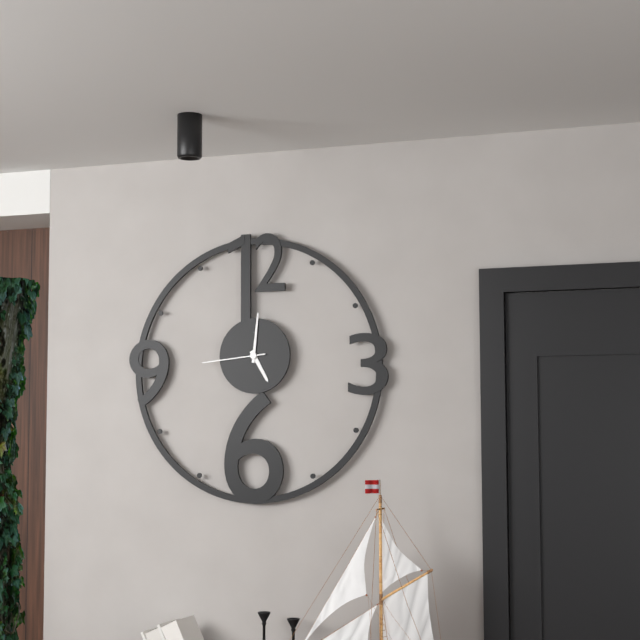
5:01:44
